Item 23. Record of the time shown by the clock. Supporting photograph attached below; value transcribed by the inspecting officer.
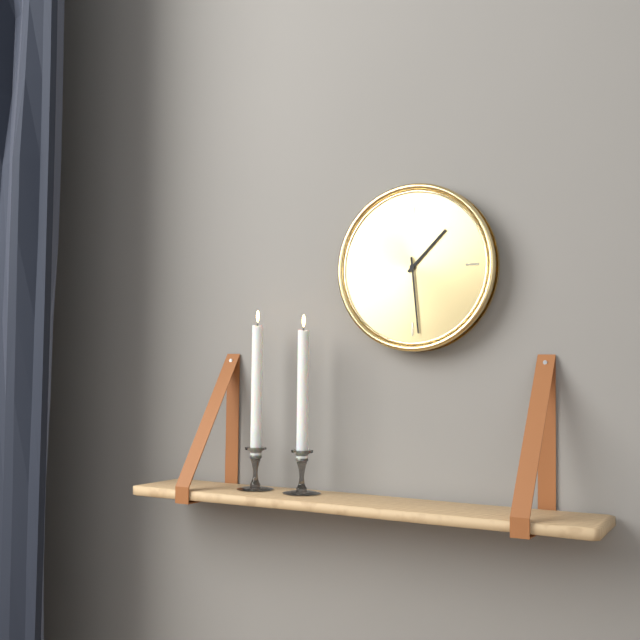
1:29
